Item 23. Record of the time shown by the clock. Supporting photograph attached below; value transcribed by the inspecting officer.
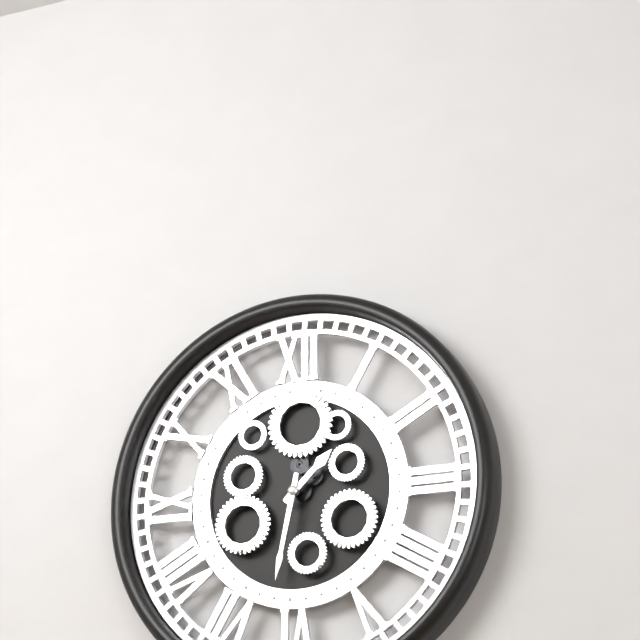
1:32
